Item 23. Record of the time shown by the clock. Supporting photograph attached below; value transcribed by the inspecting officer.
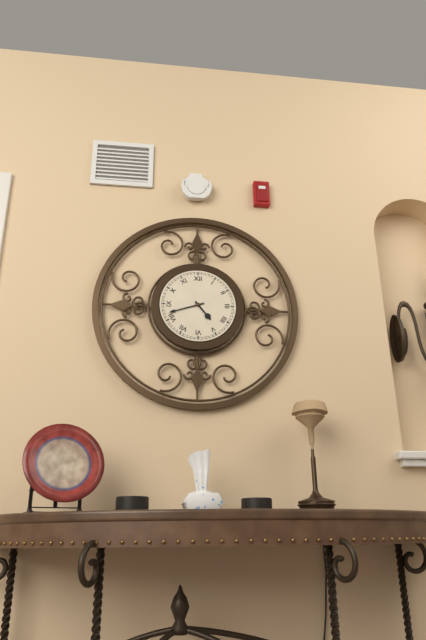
4:42
